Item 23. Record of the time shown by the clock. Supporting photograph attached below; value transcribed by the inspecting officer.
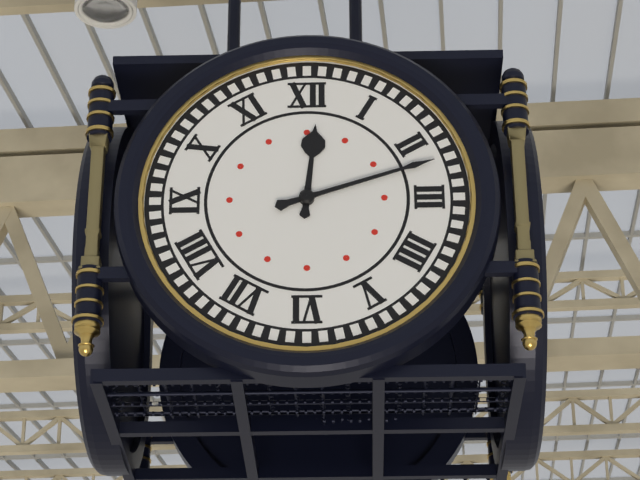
12:12
